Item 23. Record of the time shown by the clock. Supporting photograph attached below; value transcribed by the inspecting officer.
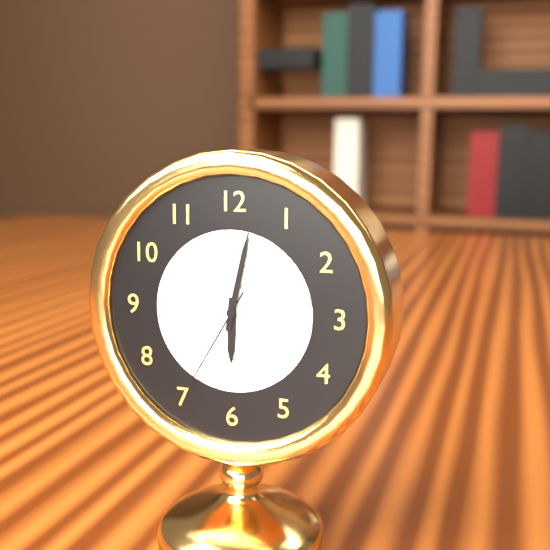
6:02:35
